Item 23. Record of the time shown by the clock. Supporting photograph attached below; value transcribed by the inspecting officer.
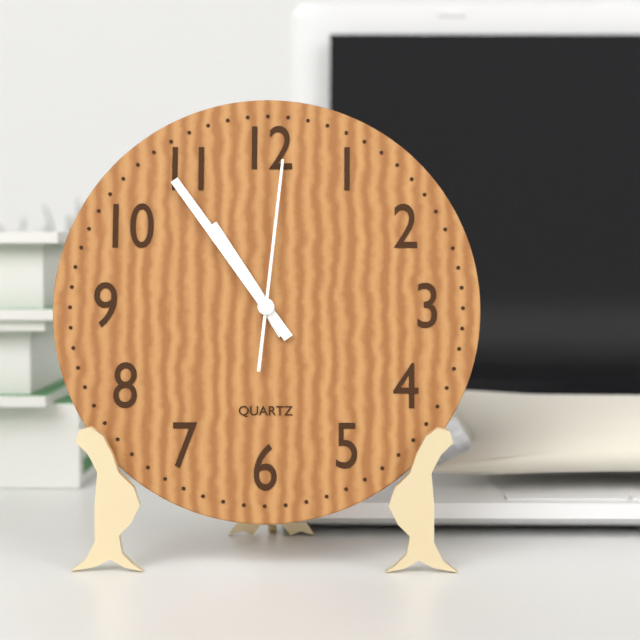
10:54:01
